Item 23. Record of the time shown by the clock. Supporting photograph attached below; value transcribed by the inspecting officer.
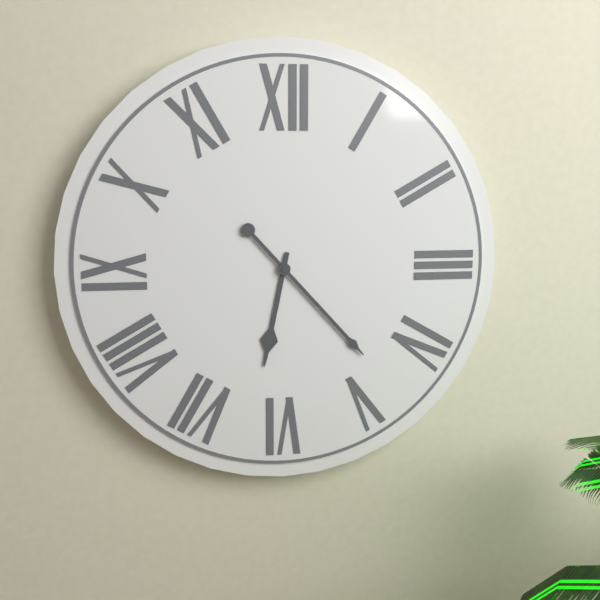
6:23
